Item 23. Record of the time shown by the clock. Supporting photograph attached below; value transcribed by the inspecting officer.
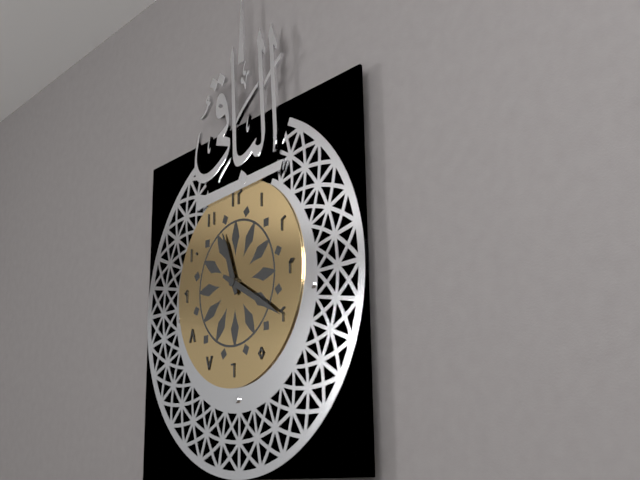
11:20
